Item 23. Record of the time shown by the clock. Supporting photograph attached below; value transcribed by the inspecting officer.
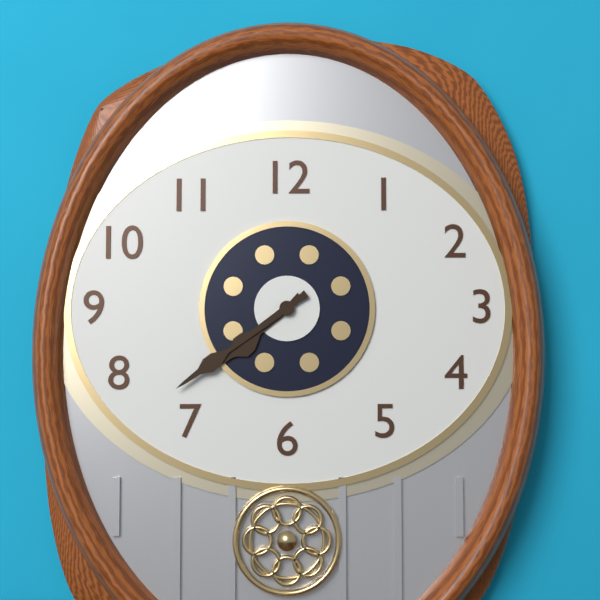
7:39
